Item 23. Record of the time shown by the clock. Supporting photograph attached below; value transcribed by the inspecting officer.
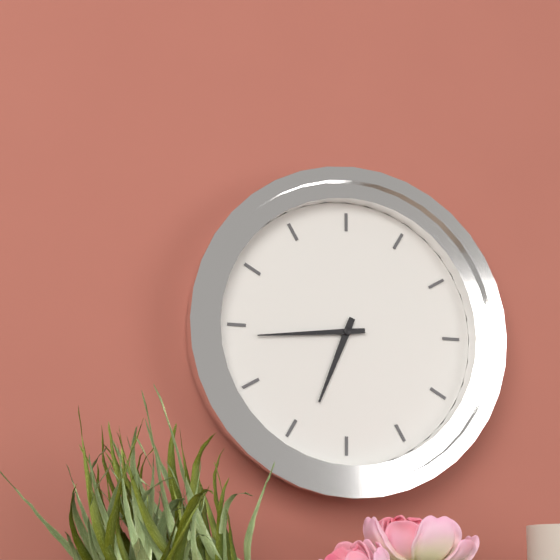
6:44
